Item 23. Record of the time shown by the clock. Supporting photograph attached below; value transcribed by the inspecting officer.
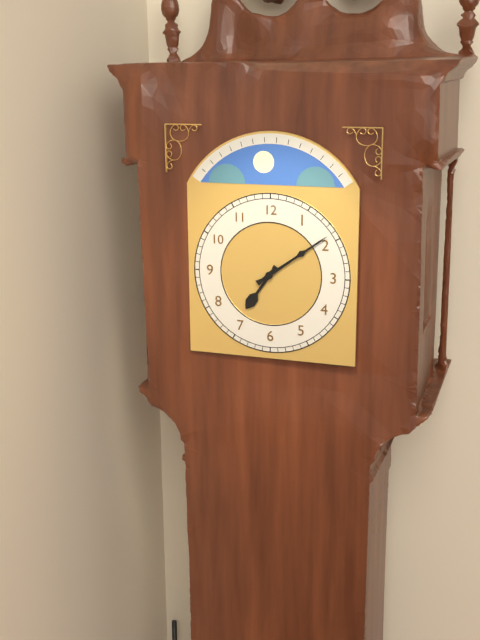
7:09
